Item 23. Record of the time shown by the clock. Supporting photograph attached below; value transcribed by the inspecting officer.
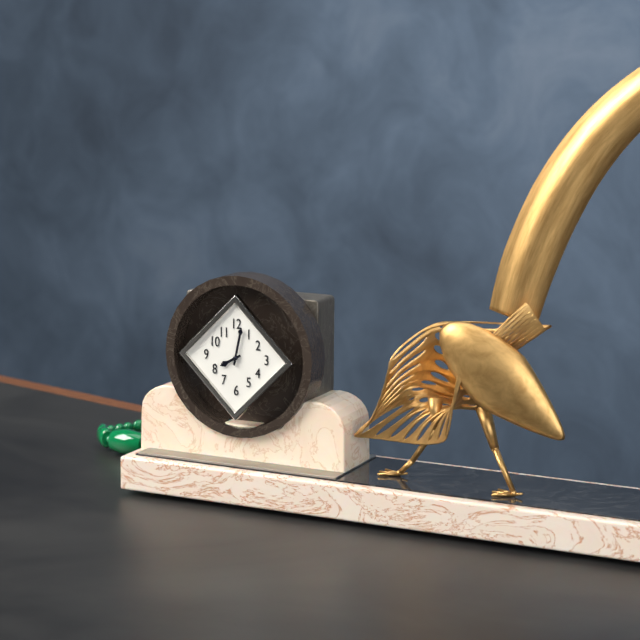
8:02
